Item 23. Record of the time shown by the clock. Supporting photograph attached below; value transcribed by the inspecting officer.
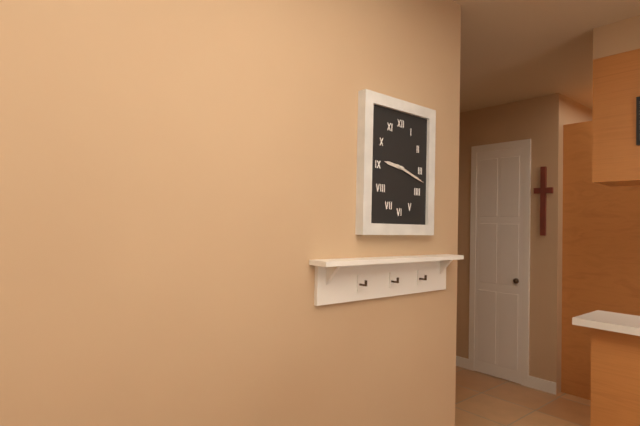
9:18
